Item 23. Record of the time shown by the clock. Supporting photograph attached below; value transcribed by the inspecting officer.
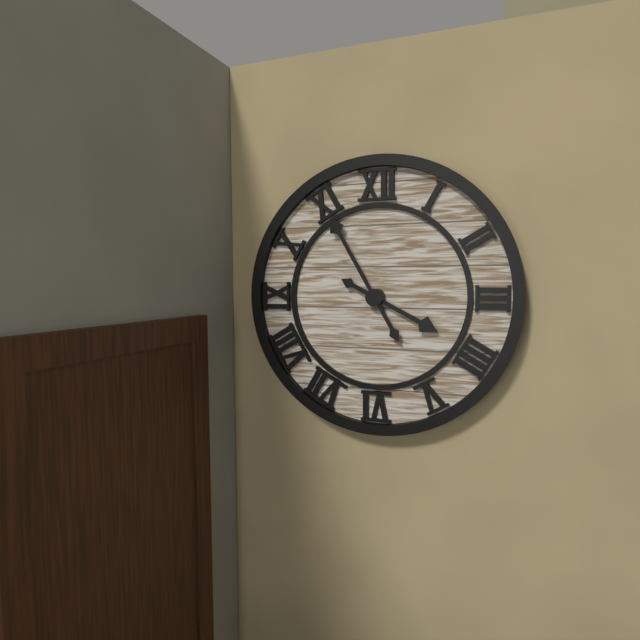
3:55
